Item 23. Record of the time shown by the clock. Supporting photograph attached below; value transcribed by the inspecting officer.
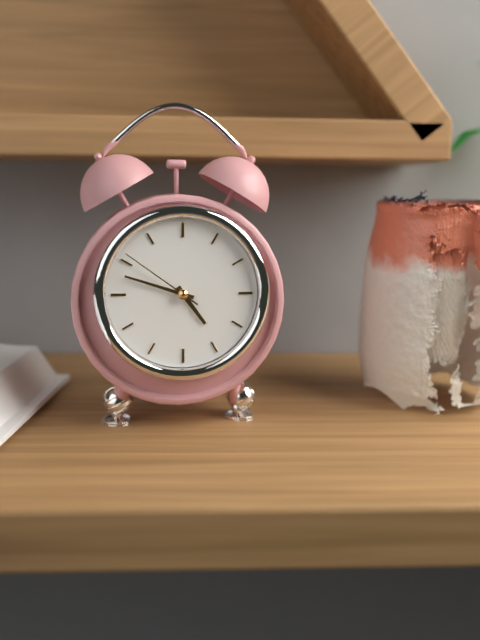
4:48:51
